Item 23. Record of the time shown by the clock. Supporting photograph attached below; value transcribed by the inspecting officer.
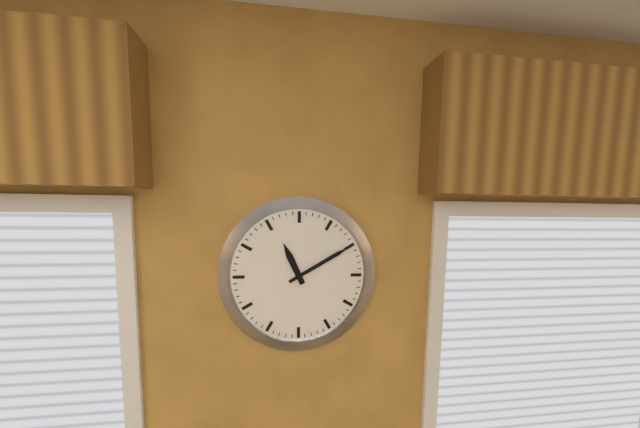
11:10
